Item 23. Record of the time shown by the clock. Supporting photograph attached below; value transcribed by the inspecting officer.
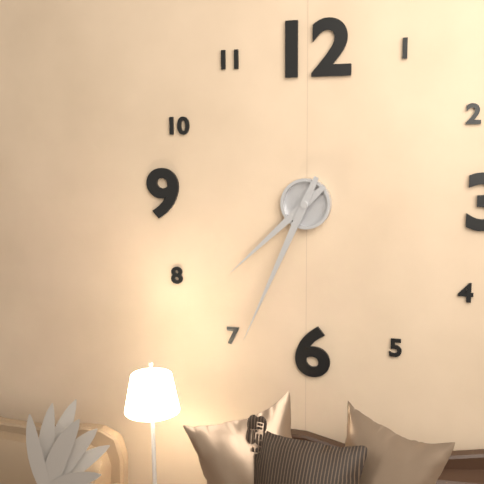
7:34
